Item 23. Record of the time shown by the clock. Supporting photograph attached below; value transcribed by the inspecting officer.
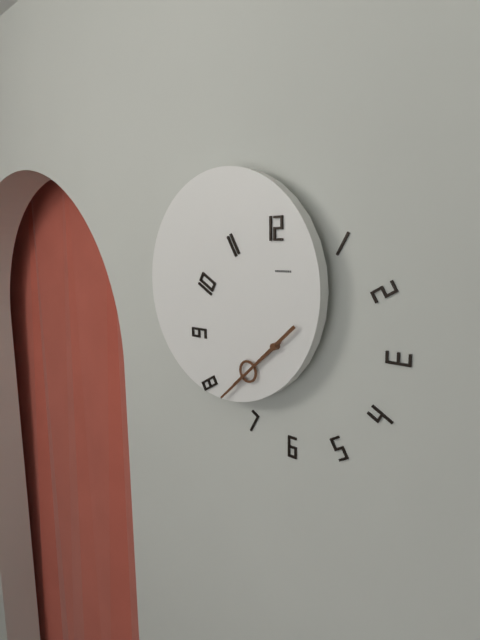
7:38
